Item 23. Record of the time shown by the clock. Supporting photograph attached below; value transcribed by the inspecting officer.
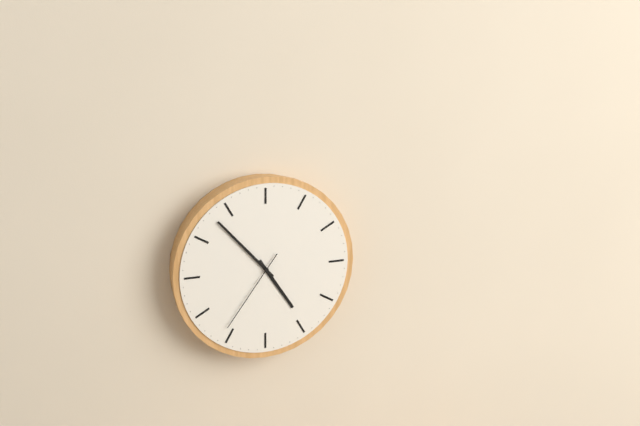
4:53:36
